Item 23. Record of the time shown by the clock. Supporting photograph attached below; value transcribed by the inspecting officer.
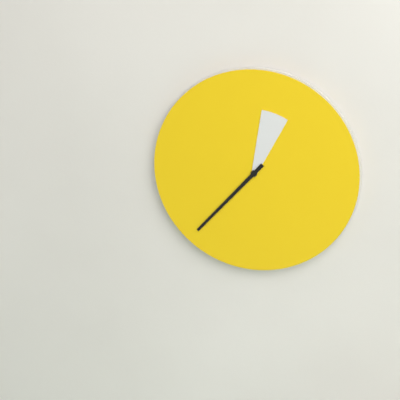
12:37
